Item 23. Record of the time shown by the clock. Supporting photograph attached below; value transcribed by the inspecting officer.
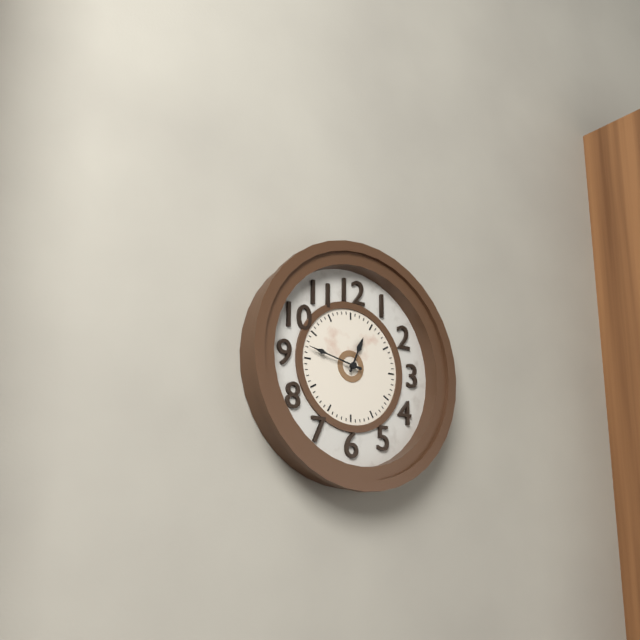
12:47
